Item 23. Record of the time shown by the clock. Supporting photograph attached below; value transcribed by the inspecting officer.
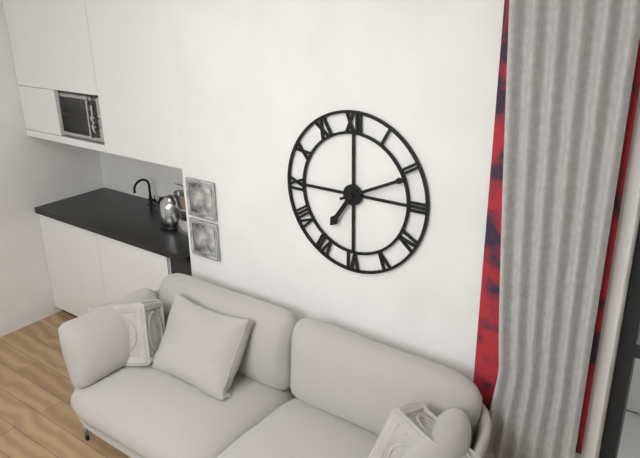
7:11
